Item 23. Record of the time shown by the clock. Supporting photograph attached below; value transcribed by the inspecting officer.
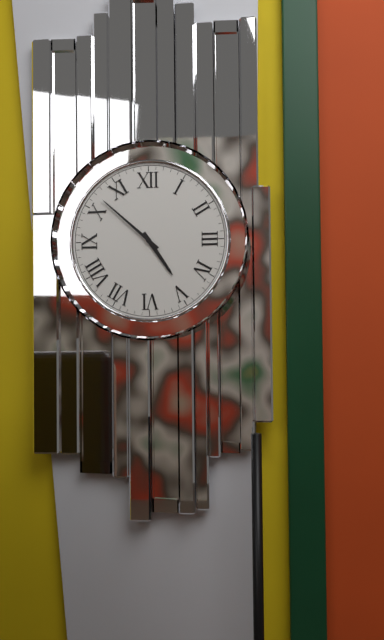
4:52
